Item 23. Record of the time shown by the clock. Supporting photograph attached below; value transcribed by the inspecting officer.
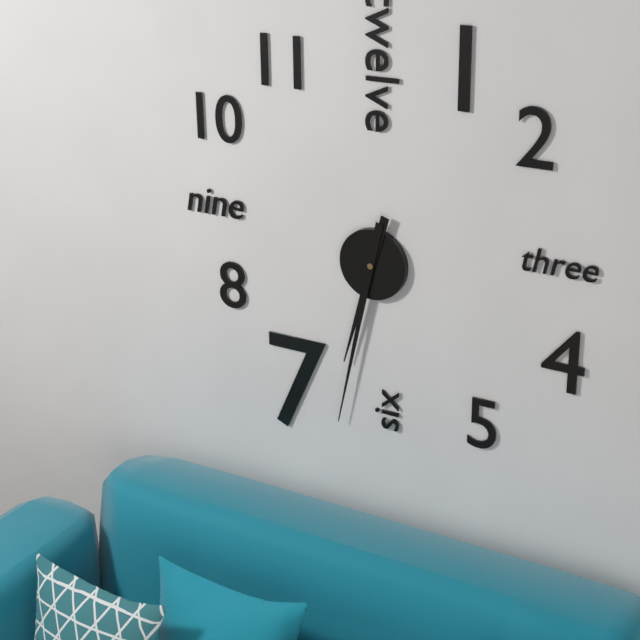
6:32
